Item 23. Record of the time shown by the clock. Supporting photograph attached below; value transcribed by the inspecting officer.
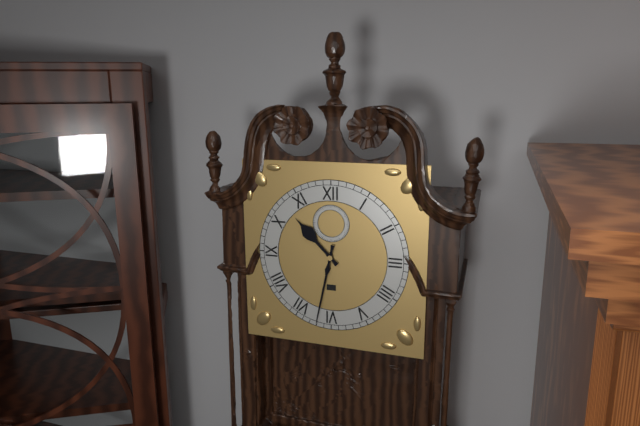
10:32
